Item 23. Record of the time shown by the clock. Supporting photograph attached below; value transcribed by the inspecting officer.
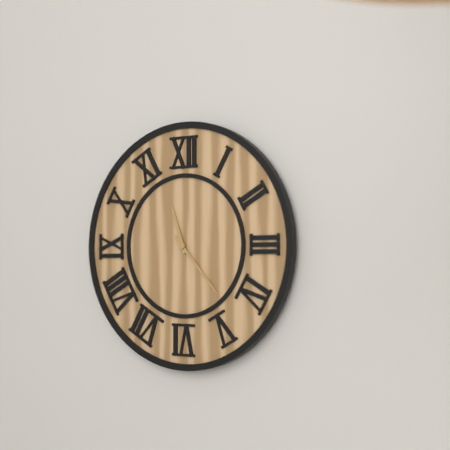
11:23
